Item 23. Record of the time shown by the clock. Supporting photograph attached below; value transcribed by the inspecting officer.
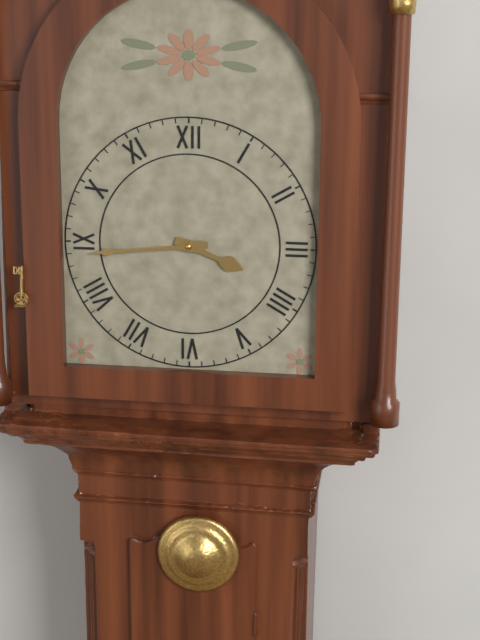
3:44
